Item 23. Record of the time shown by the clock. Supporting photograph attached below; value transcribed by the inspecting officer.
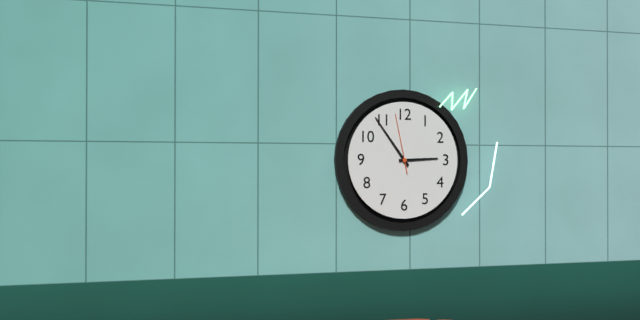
2:54:58
